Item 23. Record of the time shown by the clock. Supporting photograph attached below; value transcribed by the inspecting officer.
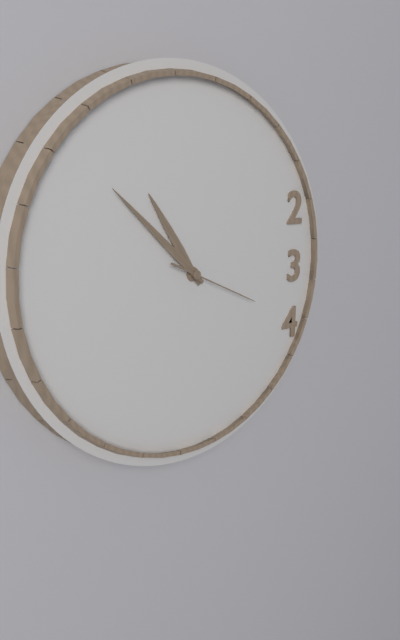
10:52:19
